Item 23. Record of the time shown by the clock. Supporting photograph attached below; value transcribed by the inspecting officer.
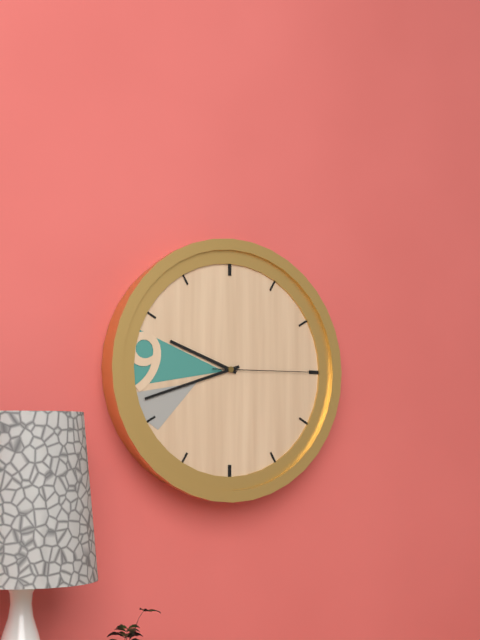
9:42:15
